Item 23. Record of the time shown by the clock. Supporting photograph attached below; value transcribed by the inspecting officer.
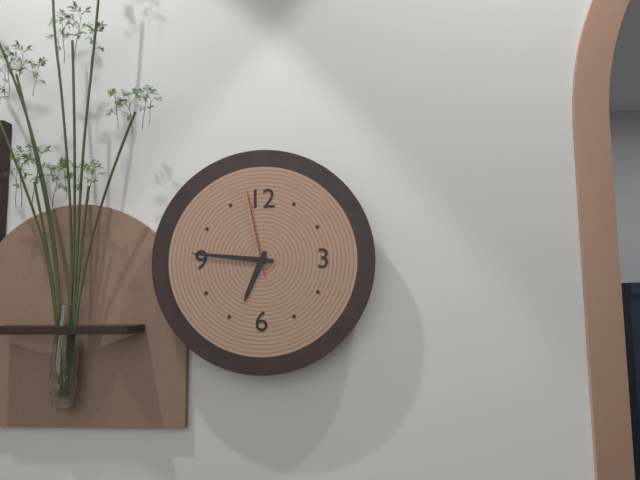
6:46:58
